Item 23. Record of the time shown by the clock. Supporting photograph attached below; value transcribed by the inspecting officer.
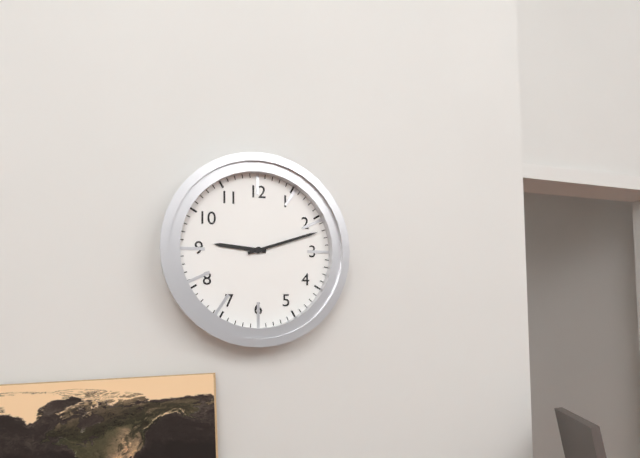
9:12
